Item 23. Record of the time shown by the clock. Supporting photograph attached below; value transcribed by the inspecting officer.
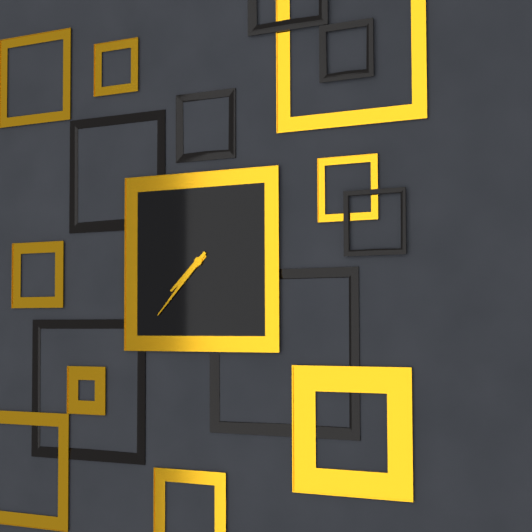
7:37
